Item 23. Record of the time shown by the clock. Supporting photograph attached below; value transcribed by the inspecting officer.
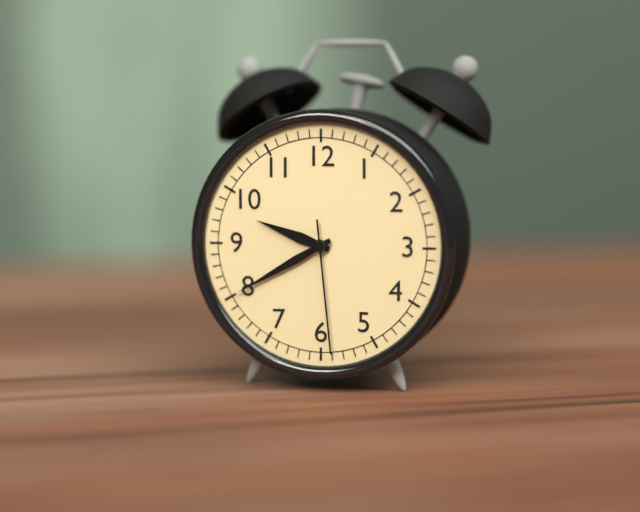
9:40:29
